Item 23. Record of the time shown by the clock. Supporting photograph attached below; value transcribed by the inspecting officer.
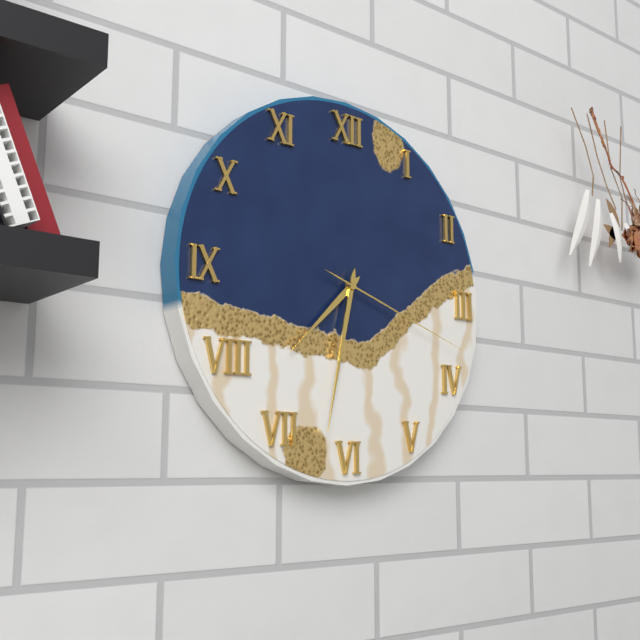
7:32:18
